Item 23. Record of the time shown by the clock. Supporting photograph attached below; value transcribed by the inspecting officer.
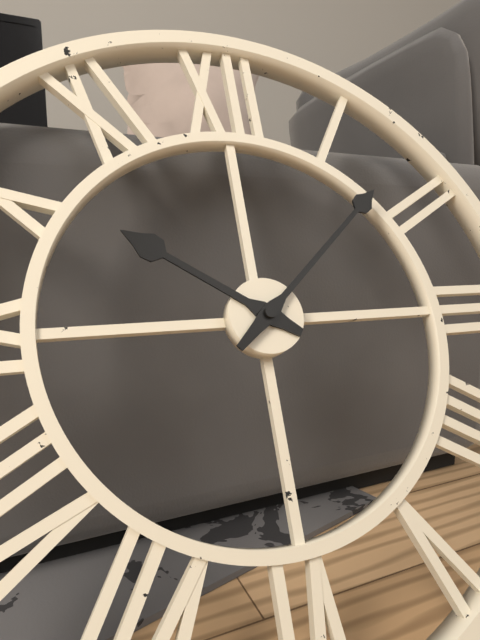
10:08
